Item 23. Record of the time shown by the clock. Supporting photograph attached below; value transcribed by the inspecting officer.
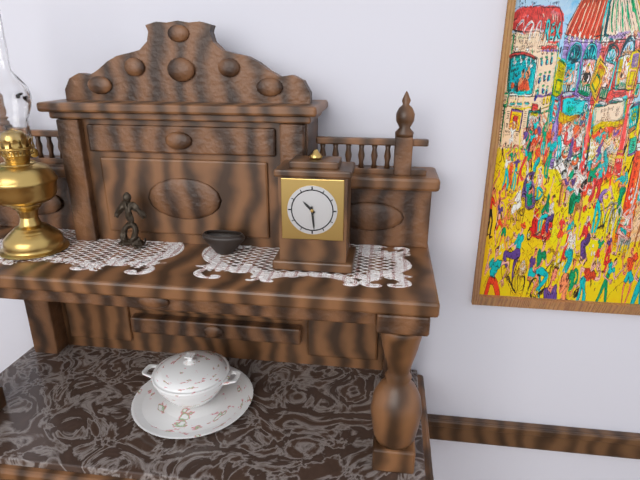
10:29
